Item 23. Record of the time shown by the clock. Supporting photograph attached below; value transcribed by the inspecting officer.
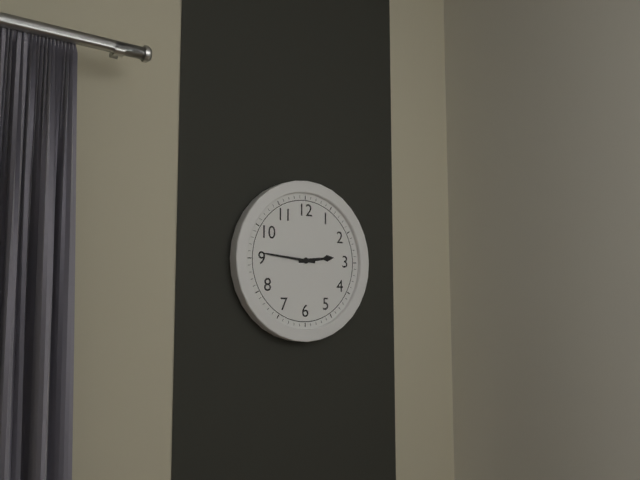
2:46
